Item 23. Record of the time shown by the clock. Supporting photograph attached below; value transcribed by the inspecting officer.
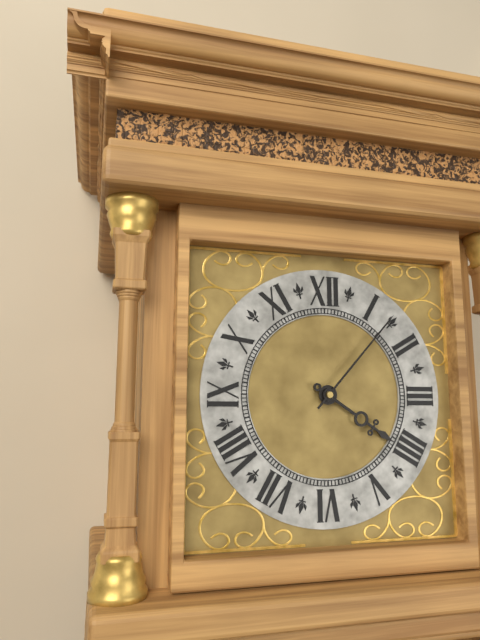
4:07
